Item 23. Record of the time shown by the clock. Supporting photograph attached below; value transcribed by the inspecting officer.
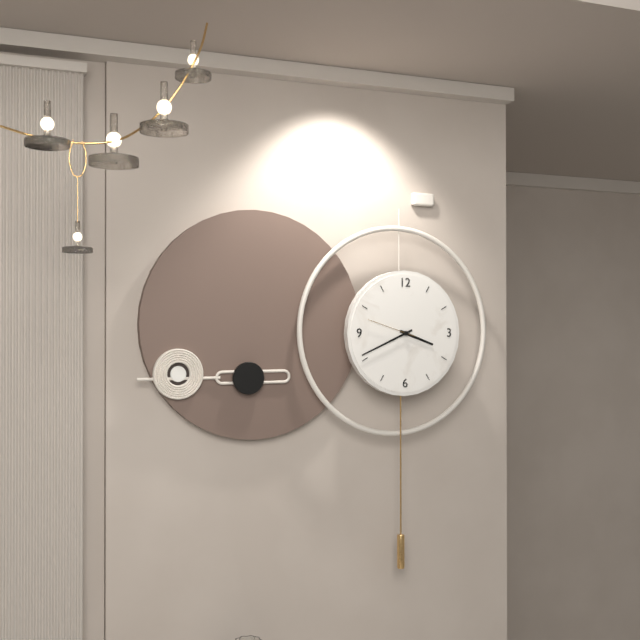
3:41:48
